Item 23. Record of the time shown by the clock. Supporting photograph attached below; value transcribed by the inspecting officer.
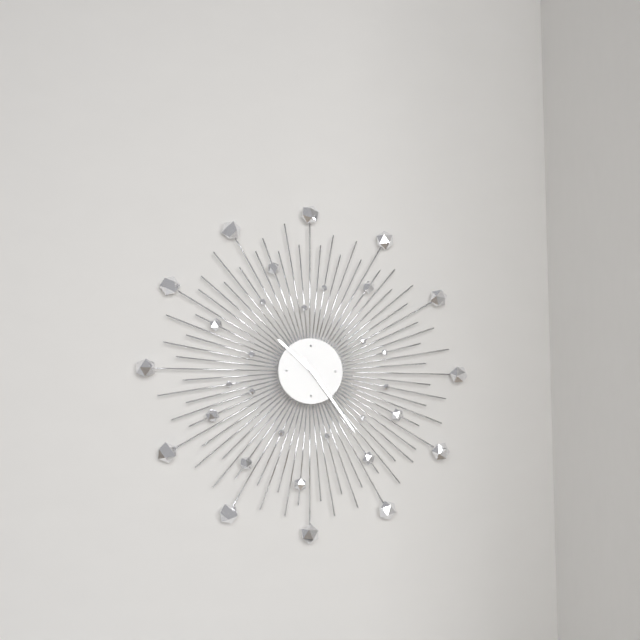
10:24
